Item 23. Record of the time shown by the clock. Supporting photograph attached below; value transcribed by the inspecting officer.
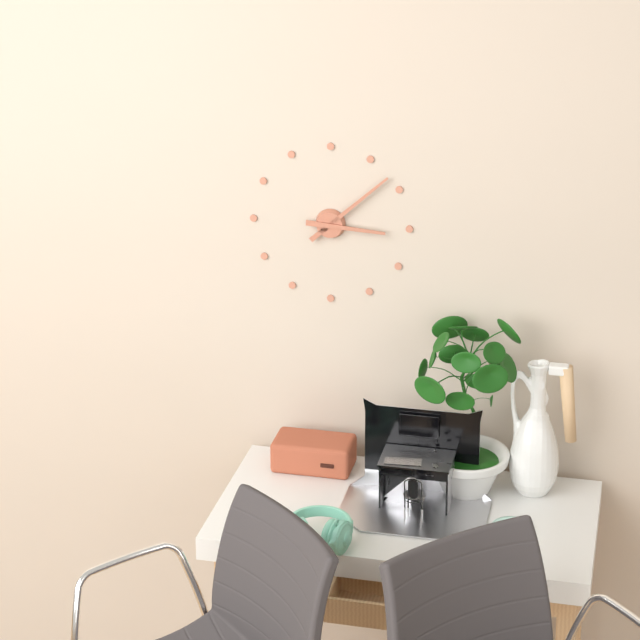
3:08
